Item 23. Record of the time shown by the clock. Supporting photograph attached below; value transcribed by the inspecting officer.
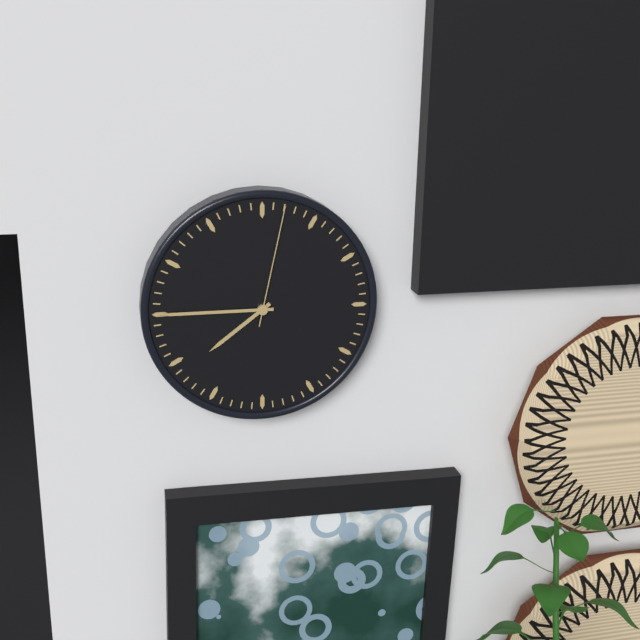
7:45:02
